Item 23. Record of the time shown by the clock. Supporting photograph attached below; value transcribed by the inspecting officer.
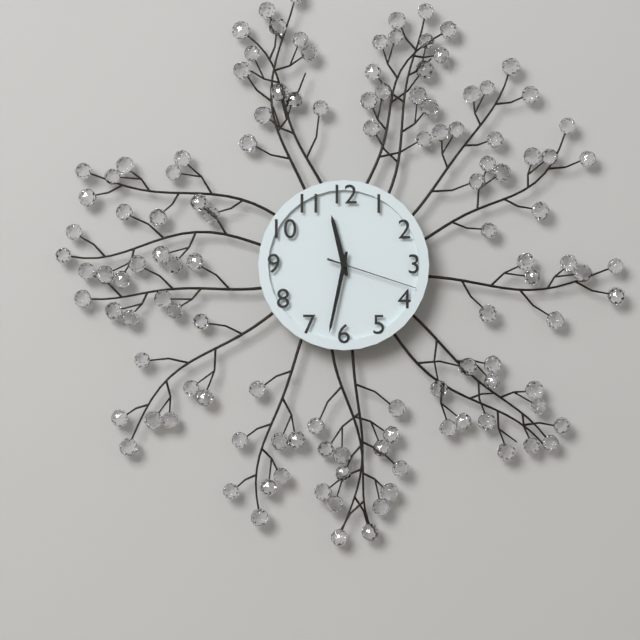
11:32:18
